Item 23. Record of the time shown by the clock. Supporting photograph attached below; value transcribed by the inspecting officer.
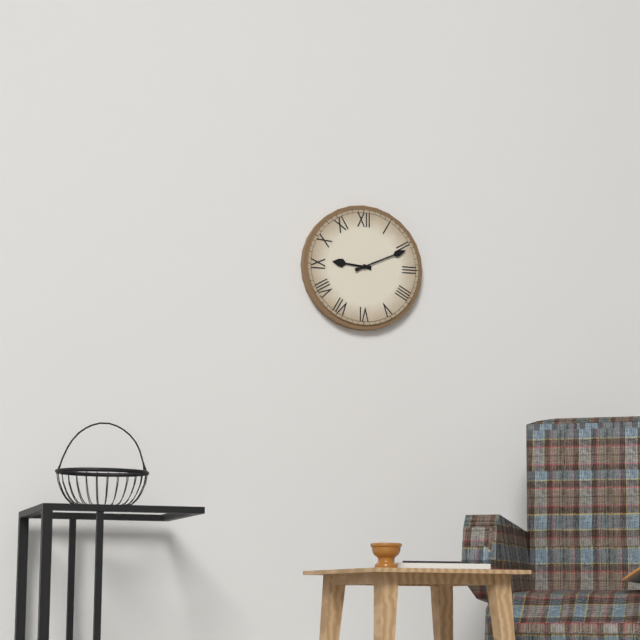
9:11
